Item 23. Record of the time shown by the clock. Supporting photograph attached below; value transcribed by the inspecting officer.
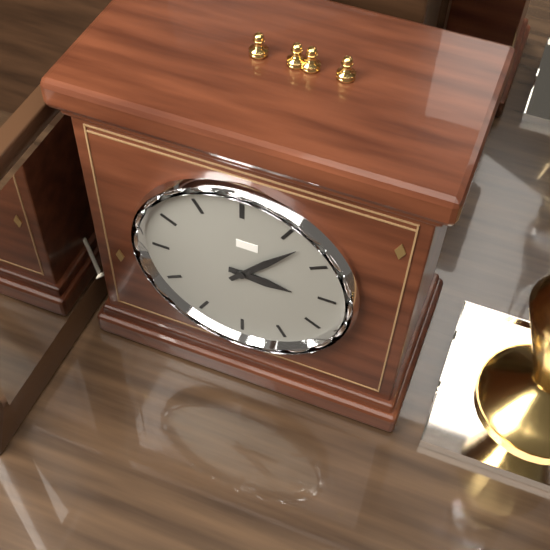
3:07
